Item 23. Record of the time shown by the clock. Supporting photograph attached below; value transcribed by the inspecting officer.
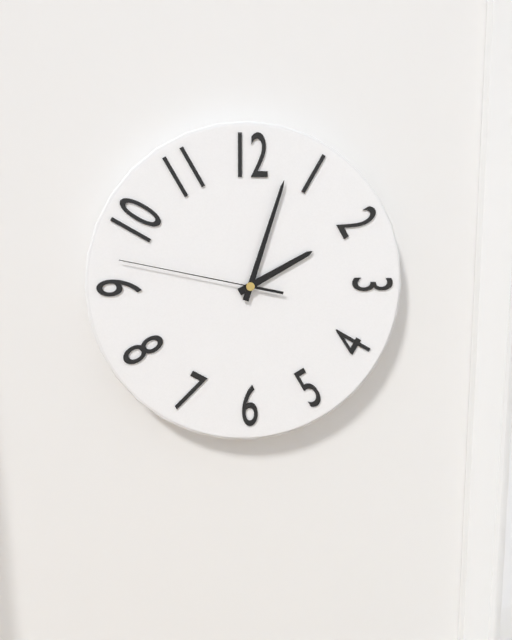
2:03:47
